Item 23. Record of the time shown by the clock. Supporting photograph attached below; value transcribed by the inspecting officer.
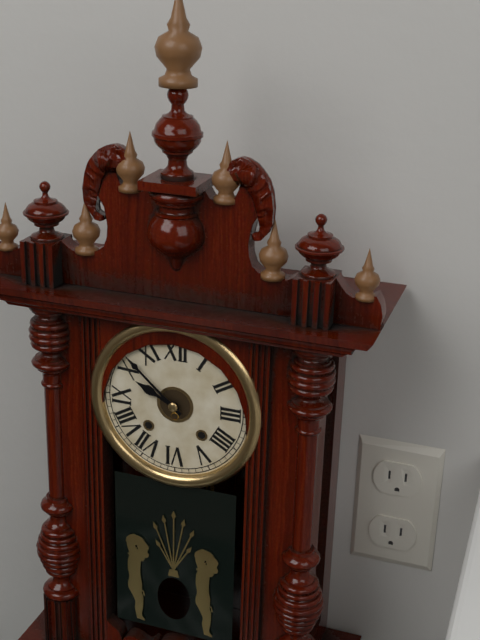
9:52
